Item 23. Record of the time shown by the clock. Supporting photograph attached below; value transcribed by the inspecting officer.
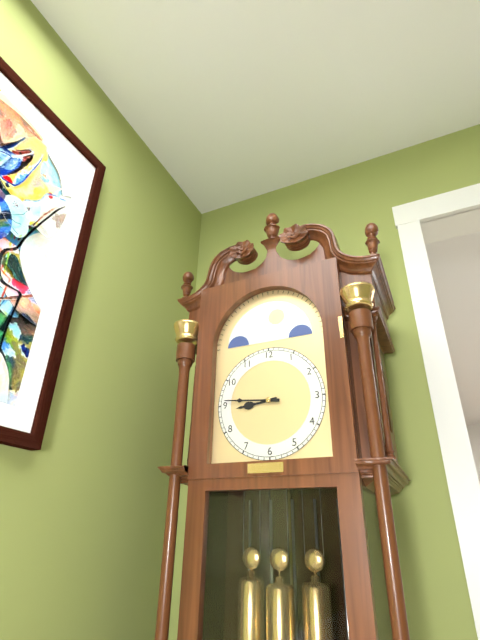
8:46
